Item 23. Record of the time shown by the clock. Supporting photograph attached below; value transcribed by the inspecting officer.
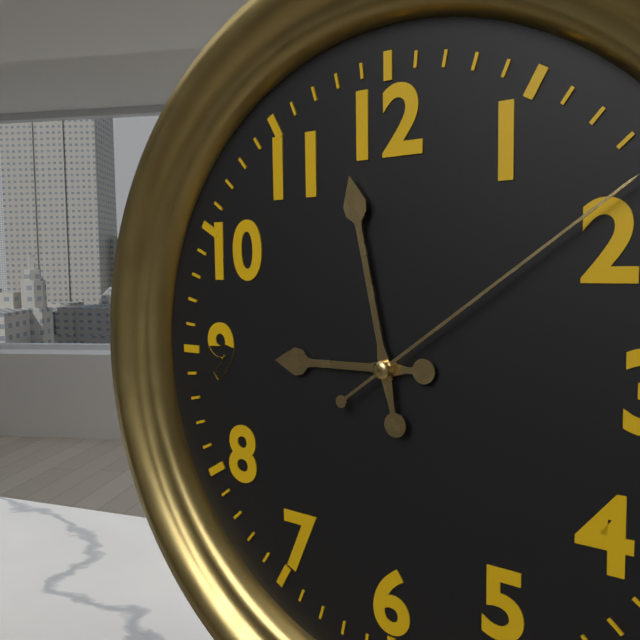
8:58:09
